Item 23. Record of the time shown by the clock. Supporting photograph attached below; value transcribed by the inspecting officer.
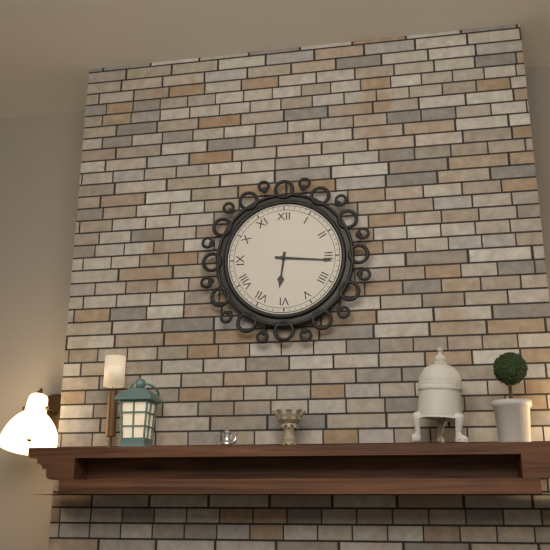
6:16
